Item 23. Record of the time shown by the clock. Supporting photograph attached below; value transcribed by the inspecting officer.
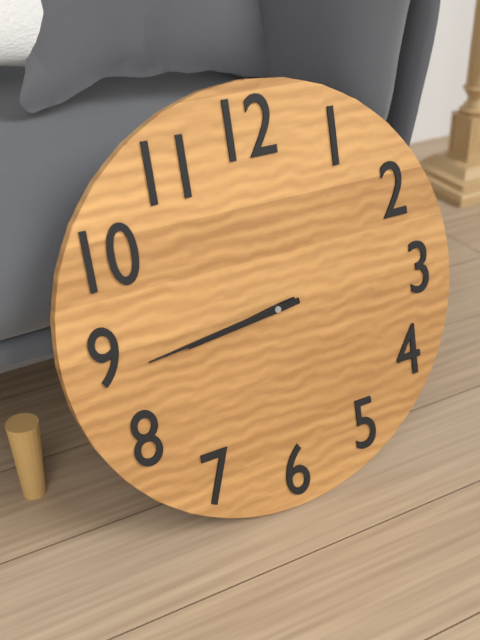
8:44
